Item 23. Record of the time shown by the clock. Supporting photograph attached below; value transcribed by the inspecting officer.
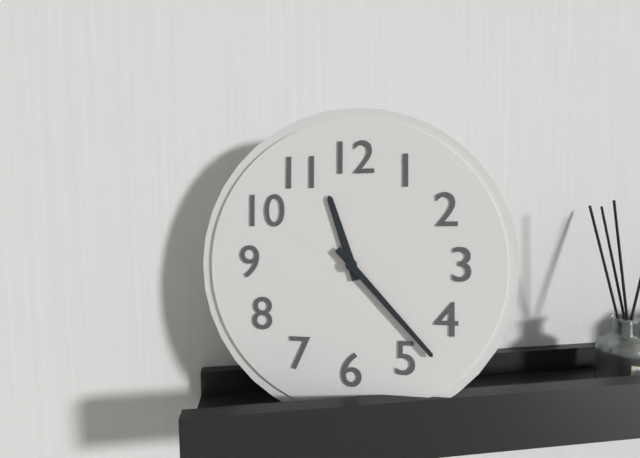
11:23
